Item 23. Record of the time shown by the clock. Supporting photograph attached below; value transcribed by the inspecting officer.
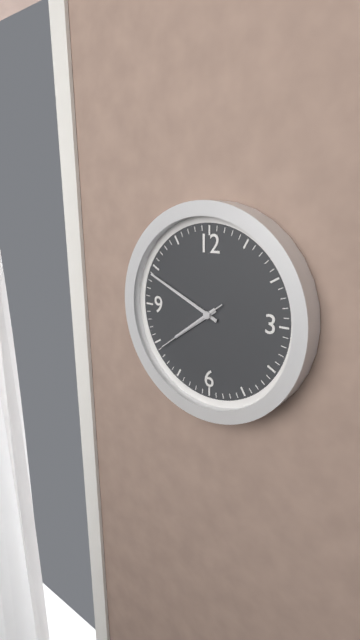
7:49:39
